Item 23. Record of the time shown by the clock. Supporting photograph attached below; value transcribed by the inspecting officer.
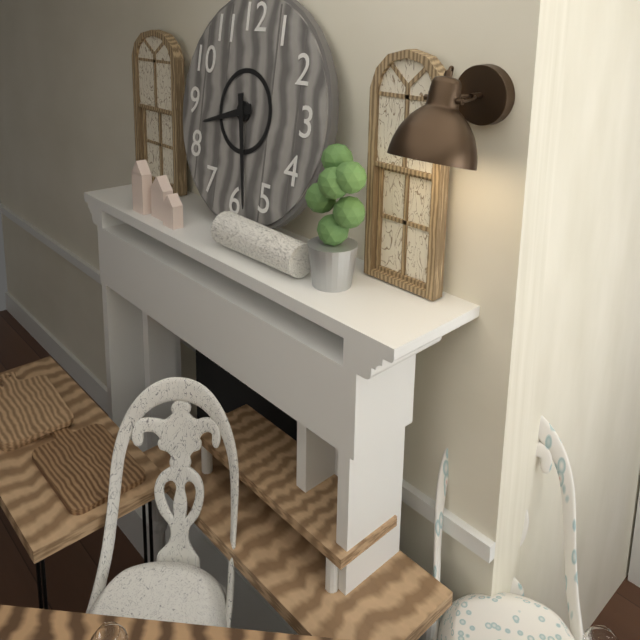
8:28
